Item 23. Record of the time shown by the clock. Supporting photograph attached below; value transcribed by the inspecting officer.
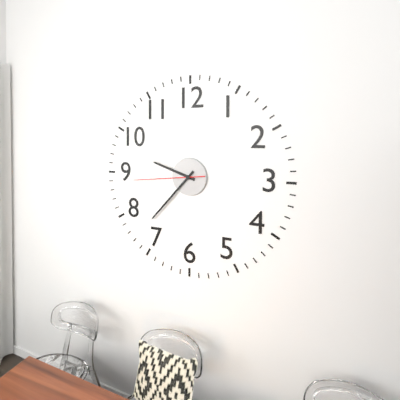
9:37:44
